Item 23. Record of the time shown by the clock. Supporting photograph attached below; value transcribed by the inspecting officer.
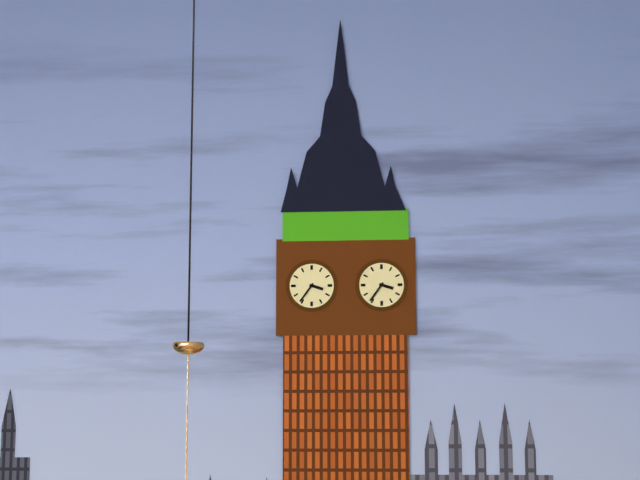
3:36
